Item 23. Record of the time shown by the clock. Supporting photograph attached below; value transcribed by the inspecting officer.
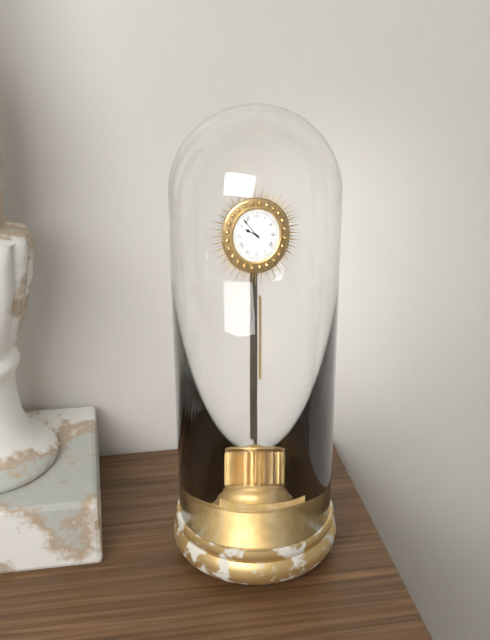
9:53
